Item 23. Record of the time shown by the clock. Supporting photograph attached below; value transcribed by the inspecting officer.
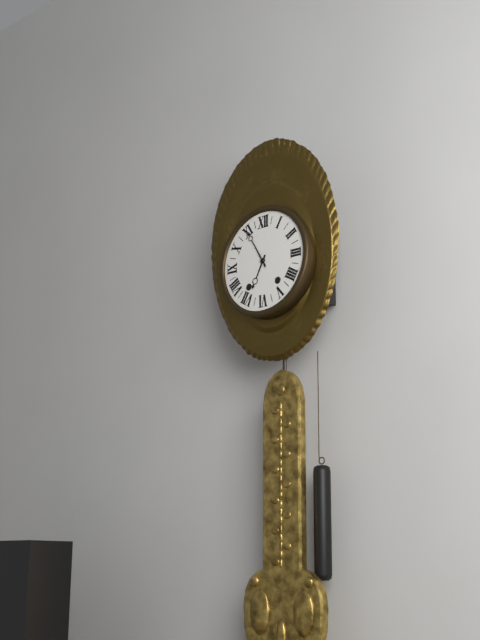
6:55
